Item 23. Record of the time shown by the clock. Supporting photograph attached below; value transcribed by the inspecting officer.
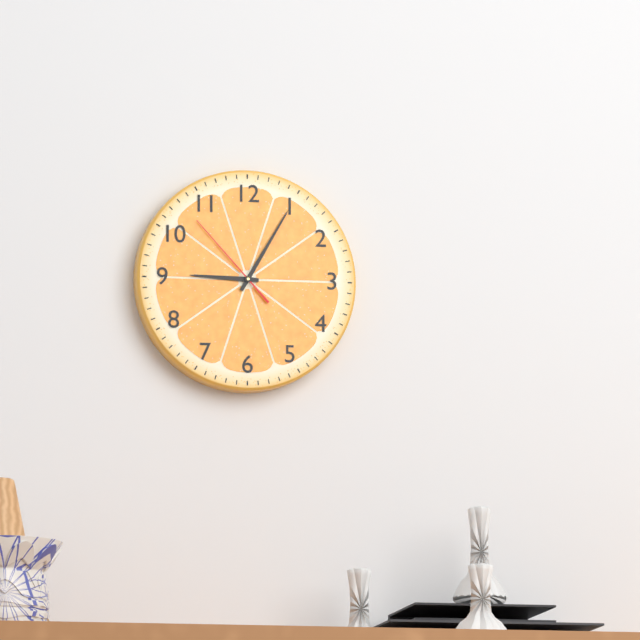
9:05:53
